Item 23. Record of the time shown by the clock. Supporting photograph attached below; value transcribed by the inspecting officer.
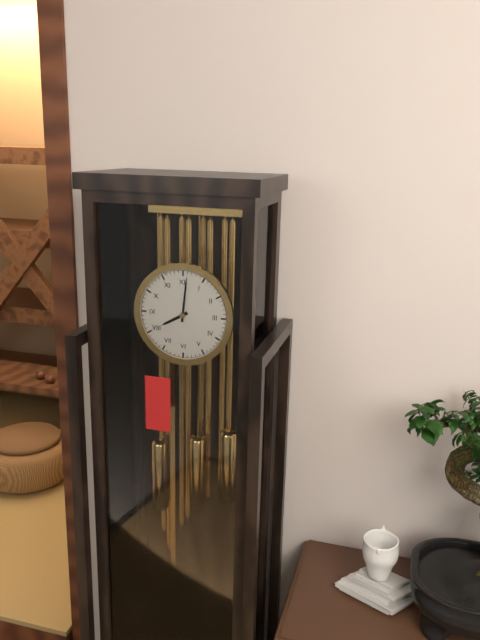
8:01
